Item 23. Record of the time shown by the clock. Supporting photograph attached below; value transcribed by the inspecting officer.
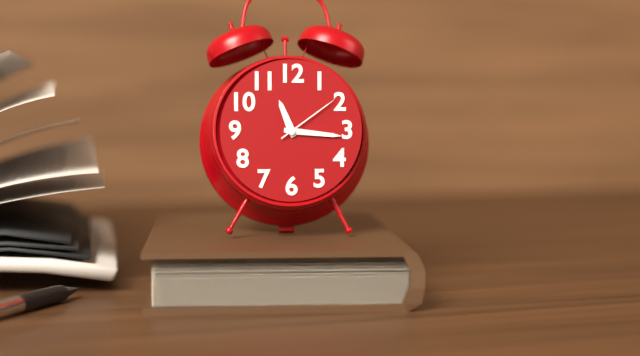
11:16:09
